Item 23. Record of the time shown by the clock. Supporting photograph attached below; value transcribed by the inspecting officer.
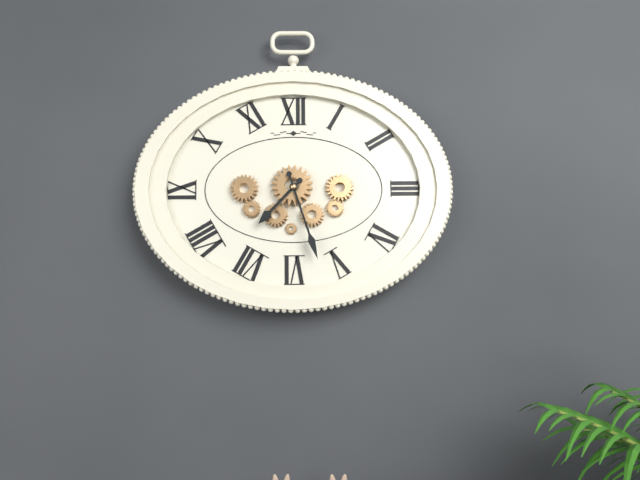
7:27
